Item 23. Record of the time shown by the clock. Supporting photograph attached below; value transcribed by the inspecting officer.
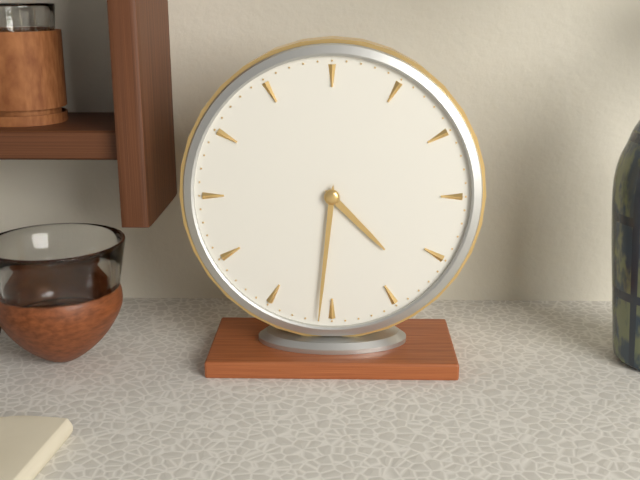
4:31
